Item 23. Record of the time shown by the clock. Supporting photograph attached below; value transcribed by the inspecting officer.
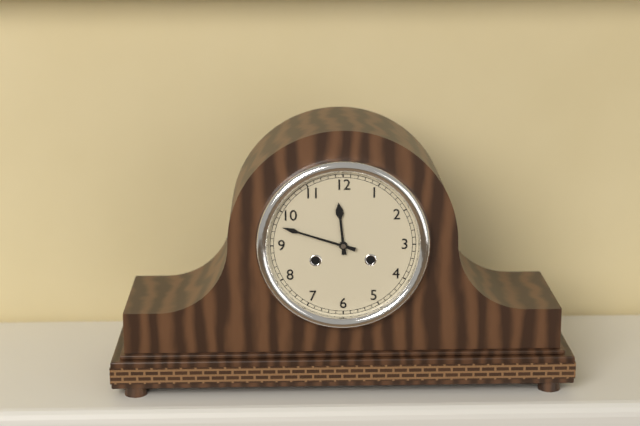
11:48
